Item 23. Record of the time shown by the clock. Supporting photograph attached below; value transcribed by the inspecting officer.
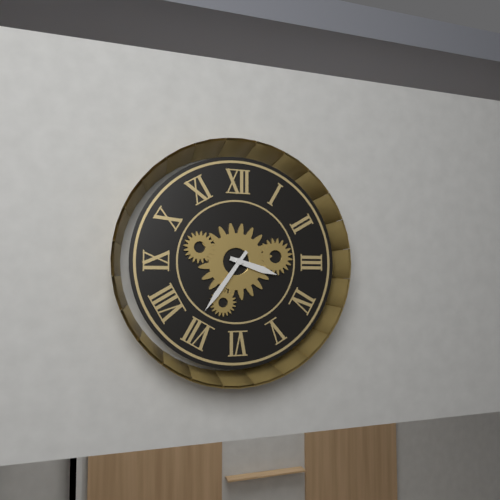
3:36
